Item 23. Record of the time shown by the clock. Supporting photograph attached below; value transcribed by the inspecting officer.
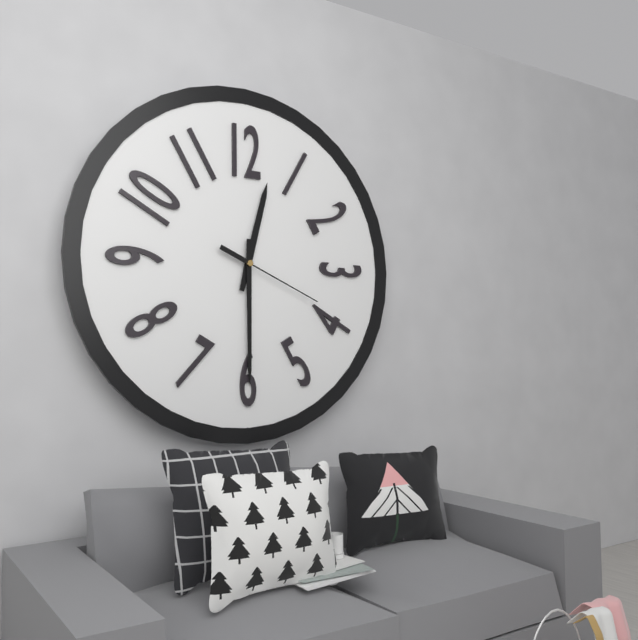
12:30:19
